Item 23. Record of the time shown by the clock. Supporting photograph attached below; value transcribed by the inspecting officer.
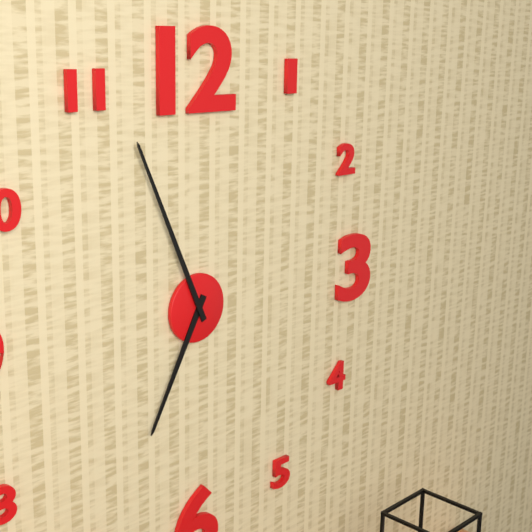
6:56
